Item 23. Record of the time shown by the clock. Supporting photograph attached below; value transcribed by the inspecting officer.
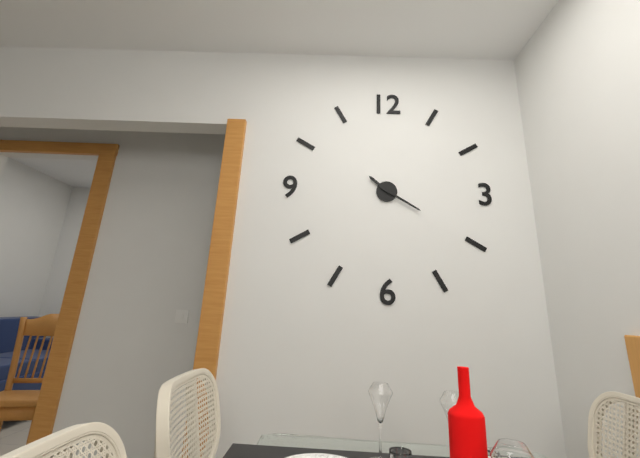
10:20
